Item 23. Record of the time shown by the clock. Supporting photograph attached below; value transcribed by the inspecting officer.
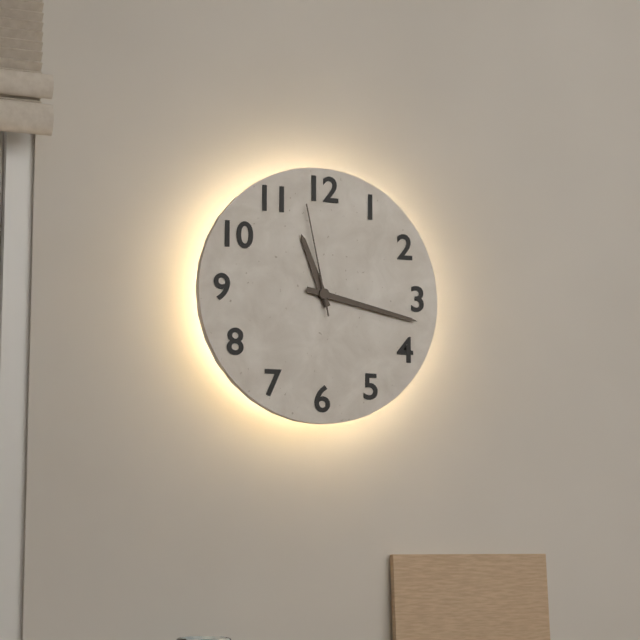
11:17:58
